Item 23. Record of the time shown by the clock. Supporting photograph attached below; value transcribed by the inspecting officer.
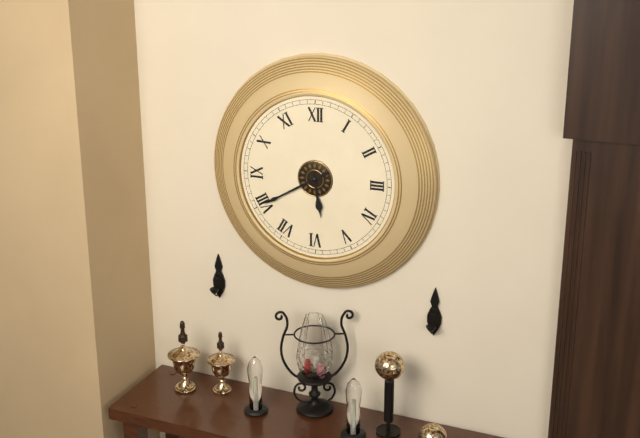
5:40
